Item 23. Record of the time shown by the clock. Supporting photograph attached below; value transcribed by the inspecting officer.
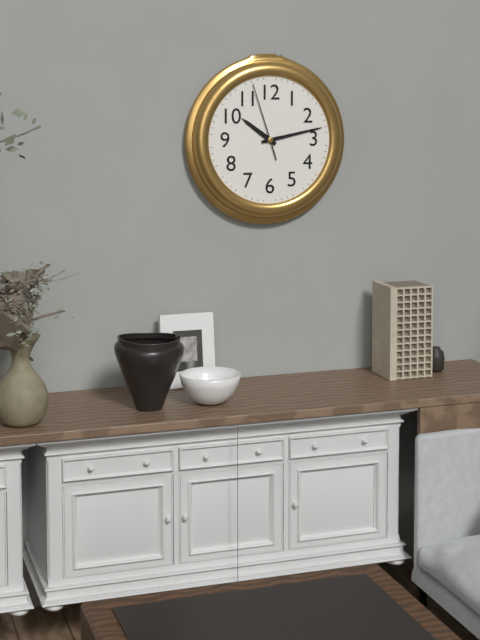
10:13:57
